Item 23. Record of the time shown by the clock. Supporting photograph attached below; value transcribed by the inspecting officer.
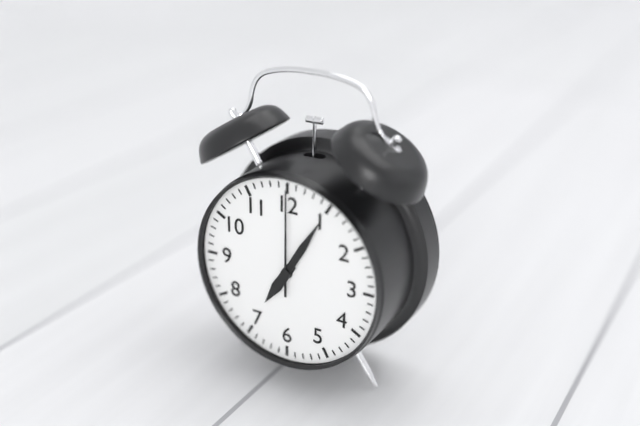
7:05:00
